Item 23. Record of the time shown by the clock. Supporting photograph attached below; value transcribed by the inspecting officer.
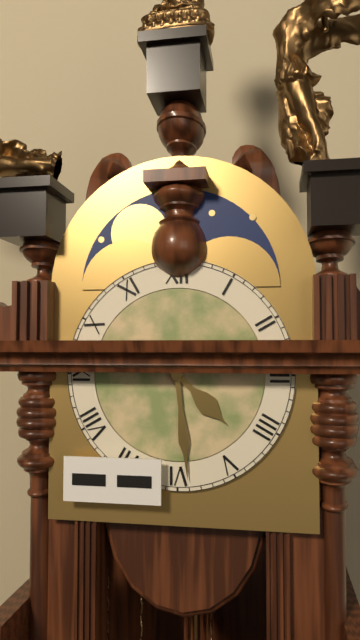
4:29
